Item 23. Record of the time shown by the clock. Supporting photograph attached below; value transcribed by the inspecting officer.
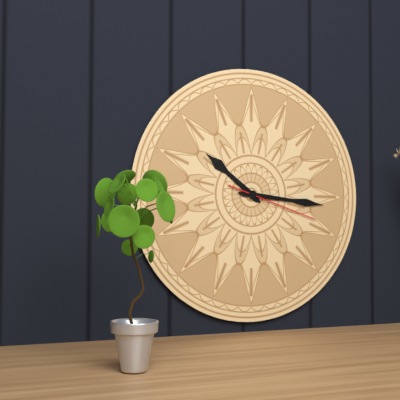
10:16:18
